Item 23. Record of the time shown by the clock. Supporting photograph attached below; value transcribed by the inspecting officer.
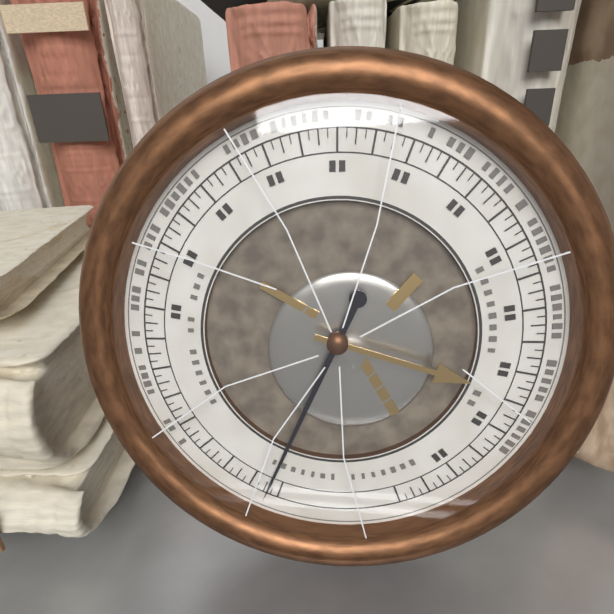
3:34
